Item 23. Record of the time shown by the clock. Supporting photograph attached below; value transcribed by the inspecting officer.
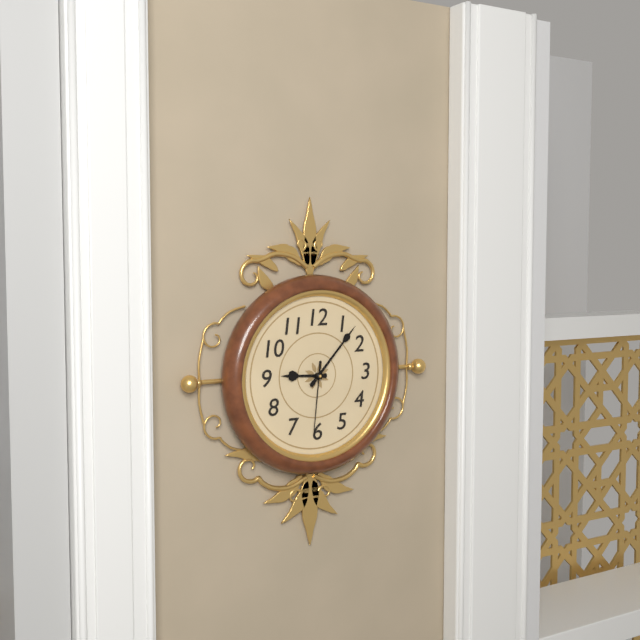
9:07:31
